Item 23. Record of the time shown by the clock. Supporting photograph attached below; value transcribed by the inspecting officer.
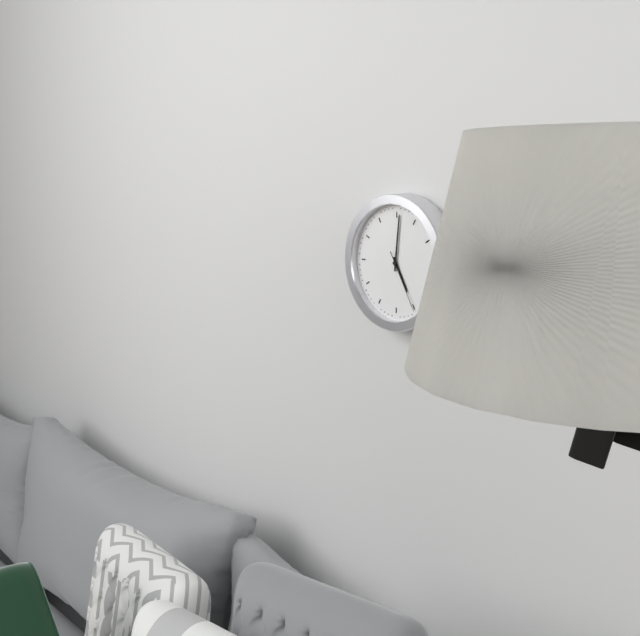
5:01:25
